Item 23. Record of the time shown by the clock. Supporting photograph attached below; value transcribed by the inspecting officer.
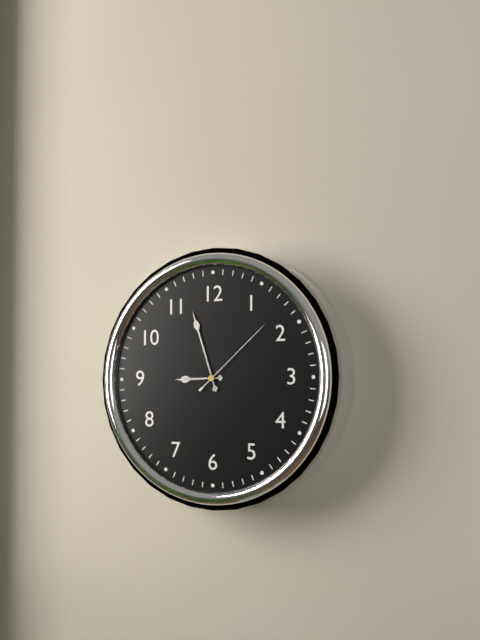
8:57:08
